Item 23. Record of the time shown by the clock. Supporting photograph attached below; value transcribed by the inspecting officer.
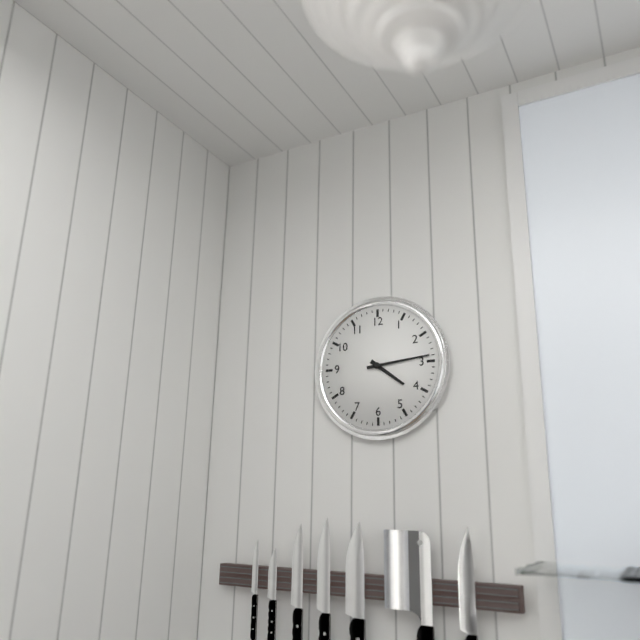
4:14
